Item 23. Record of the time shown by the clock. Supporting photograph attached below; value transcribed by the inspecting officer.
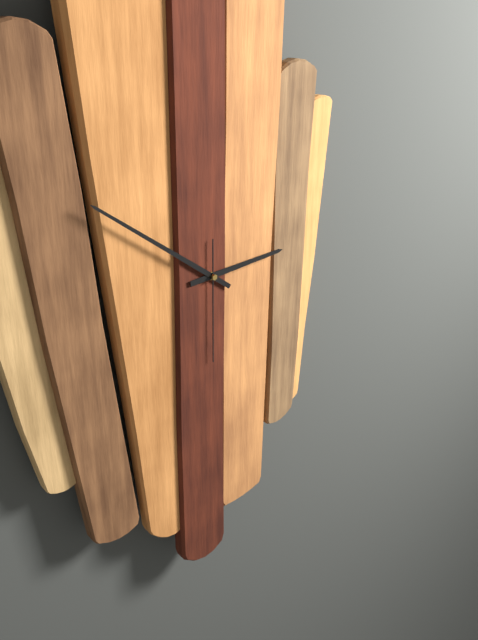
2:51:30
